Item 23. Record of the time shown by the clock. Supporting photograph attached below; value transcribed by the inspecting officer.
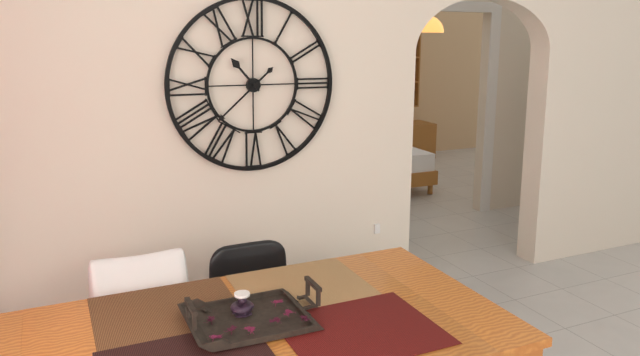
10:38
